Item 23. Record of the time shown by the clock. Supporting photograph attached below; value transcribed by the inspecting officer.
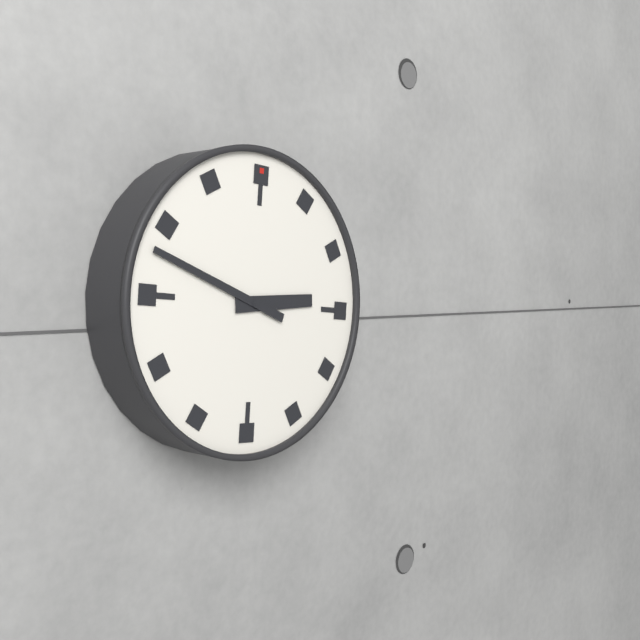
2:48
